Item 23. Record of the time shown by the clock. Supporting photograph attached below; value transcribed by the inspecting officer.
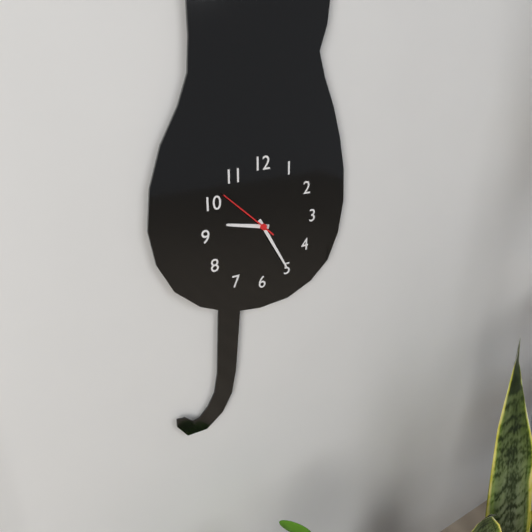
9:25:52
